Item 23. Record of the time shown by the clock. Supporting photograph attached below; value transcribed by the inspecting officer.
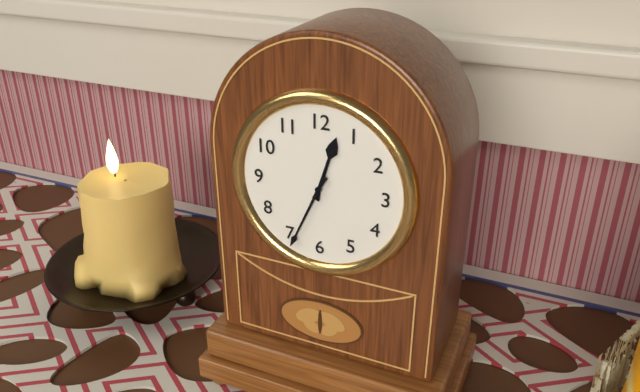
12:34
